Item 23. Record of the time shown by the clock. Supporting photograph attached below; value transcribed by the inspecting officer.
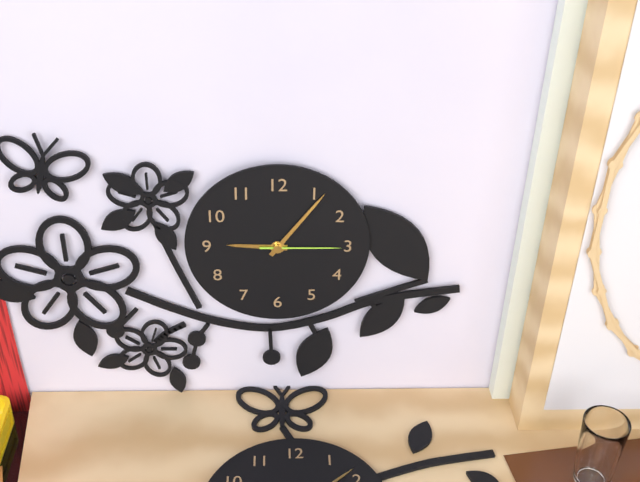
9:06:15
